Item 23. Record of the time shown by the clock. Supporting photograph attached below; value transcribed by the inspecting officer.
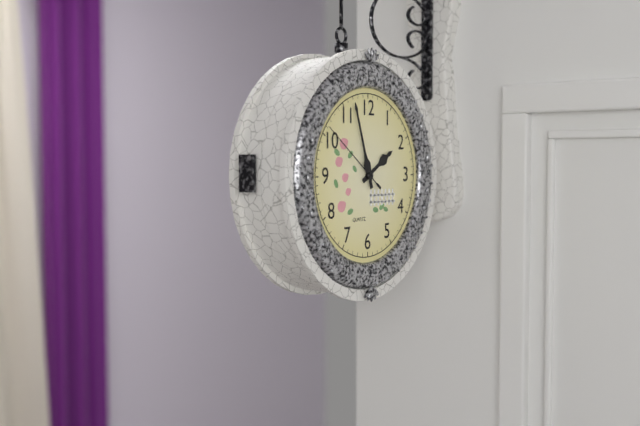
1:57:51
